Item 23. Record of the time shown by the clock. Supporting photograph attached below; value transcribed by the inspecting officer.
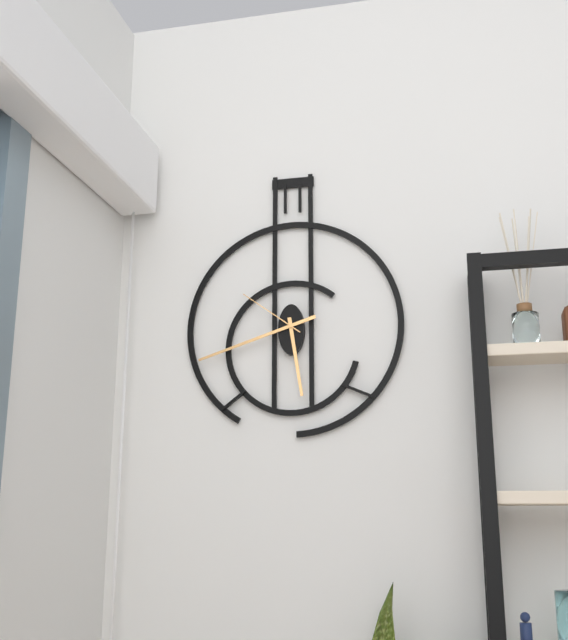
5:42:51
